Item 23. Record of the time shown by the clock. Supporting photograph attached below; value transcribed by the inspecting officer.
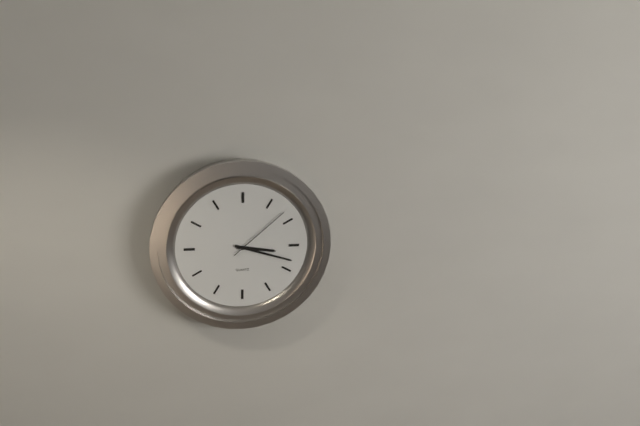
3:18:08
